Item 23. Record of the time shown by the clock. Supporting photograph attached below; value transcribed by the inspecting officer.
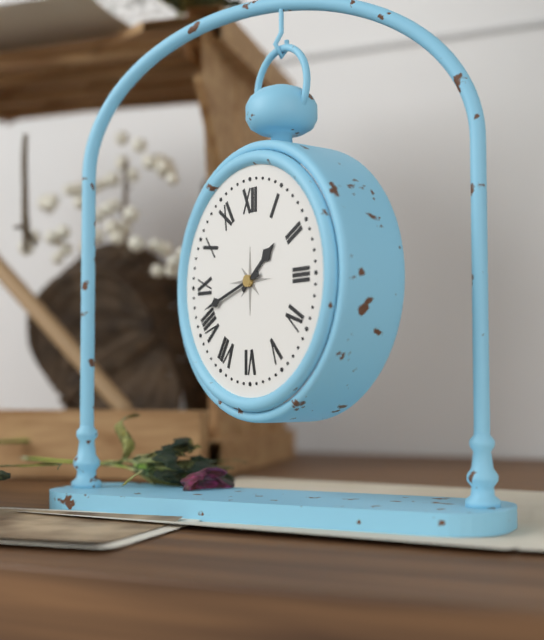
1:42
